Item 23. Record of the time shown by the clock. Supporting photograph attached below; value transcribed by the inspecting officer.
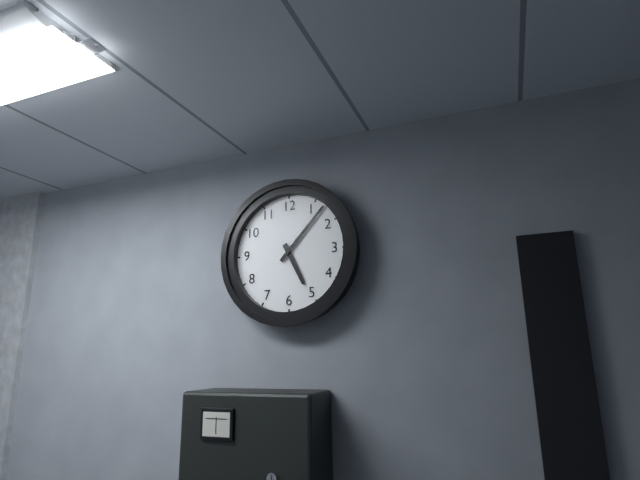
5:07
